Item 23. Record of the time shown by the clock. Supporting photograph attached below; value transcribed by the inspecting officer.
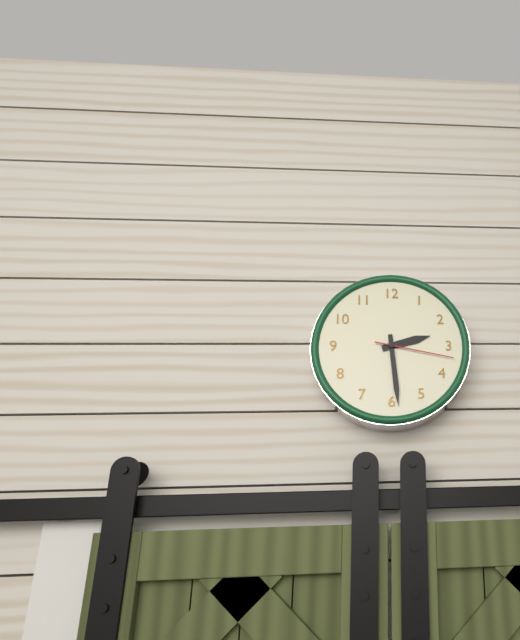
2:29:17
